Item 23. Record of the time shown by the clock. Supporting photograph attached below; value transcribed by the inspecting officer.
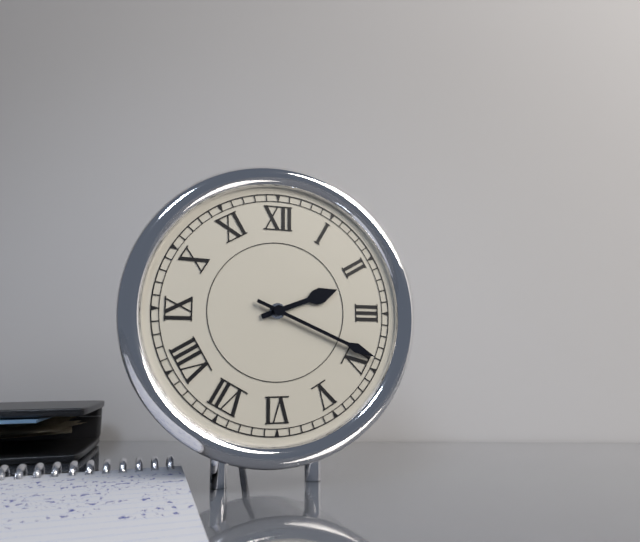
2:19
